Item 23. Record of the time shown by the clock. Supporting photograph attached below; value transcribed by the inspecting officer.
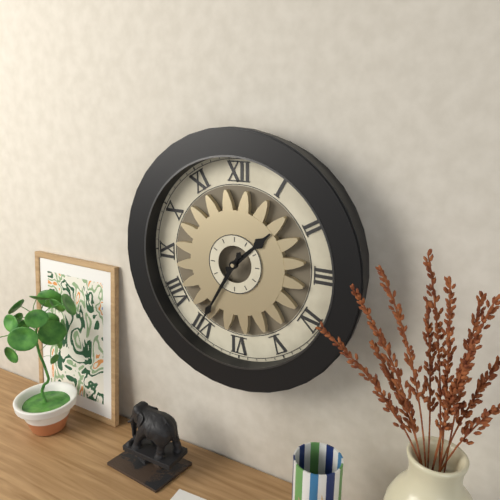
1:35
